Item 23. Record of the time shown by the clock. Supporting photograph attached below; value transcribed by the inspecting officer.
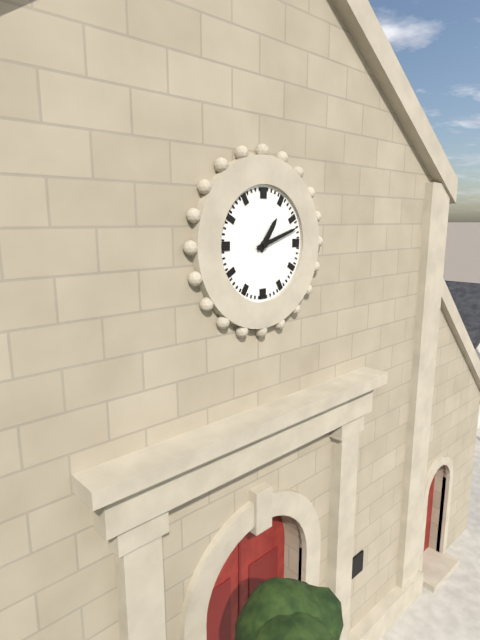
1:12
